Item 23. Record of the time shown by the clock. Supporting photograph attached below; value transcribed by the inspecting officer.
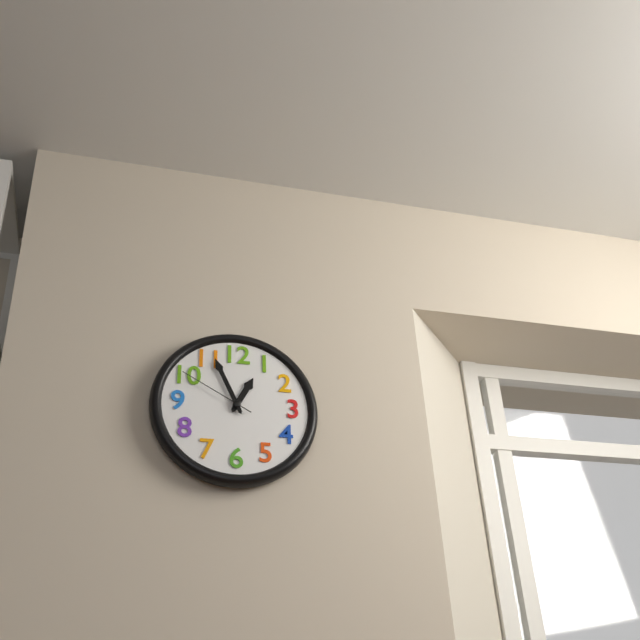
12:56:50
